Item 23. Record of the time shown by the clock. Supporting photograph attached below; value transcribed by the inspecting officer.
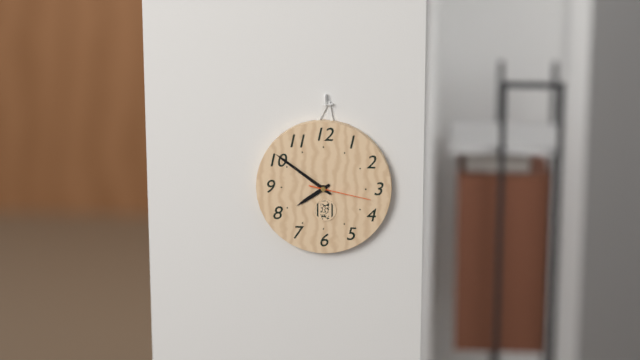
7:51:17
